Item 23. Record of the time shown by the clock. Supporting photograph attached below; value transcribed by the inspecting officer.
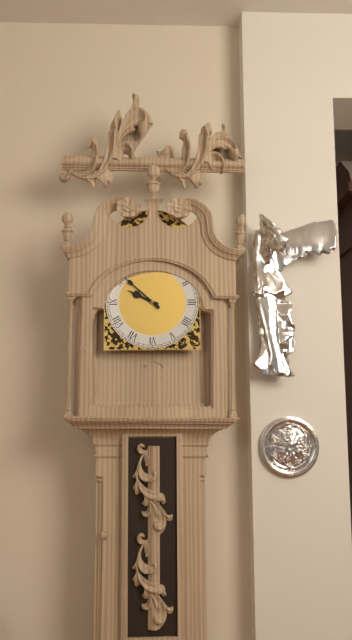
9:52
